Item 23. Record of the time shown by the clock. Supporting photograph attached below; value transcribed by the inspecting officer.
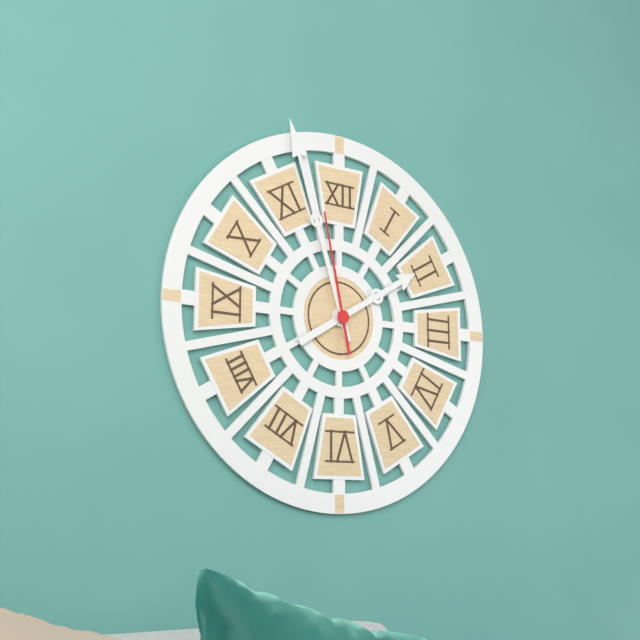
1:57:58
